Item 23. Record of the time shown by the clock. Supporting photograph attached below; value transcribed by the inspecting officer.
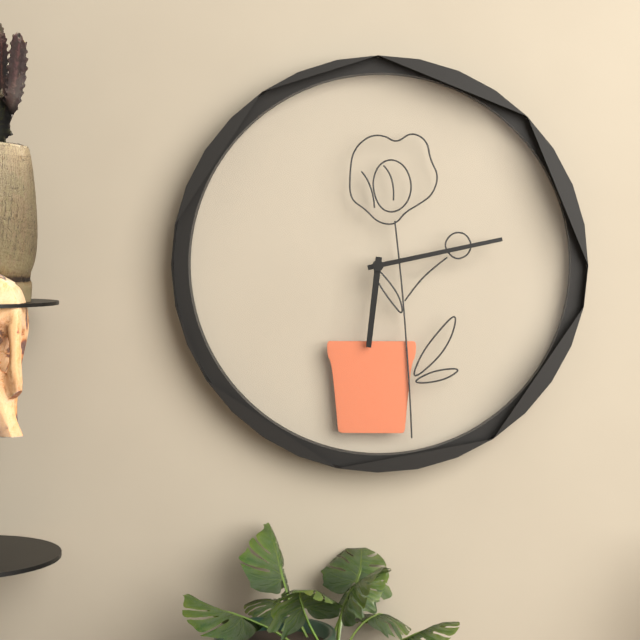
6:13
